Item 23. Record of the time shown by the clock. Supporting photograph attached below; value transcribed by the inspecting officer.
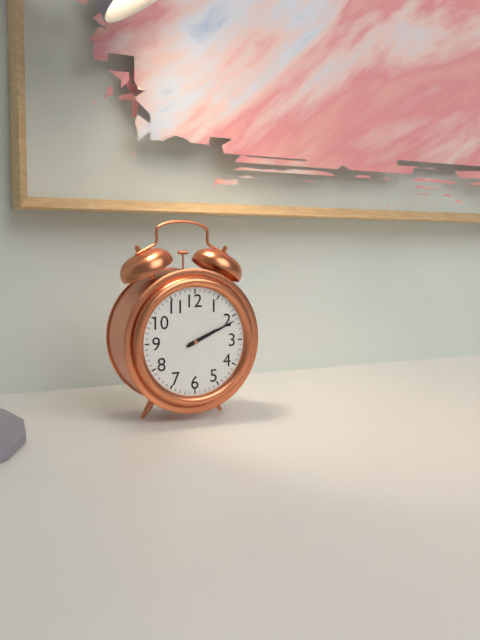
2:11
